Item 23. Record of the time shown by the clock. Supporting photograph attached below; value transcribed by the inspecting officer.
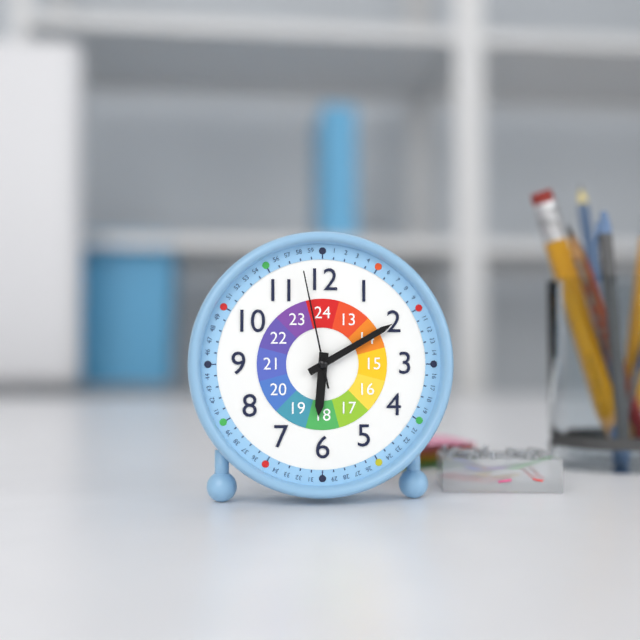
6:10:58
